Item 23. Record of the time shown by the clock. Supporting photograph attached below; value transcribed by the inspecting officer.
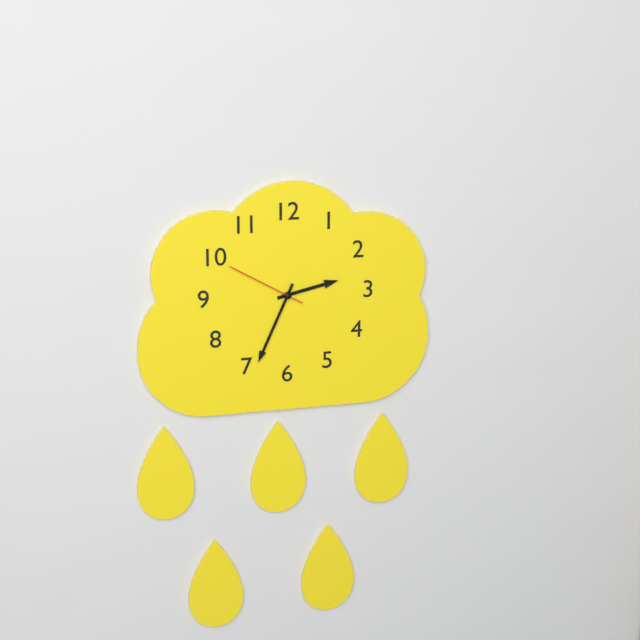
2:34:50
